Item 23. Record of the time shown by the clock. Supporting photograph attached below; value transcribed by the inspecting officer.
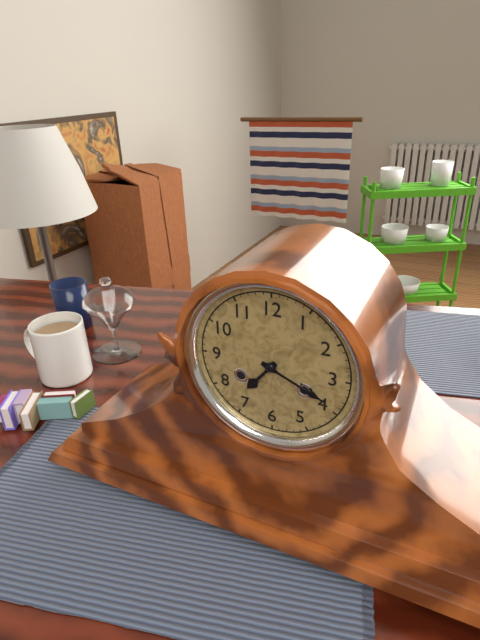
7:19
